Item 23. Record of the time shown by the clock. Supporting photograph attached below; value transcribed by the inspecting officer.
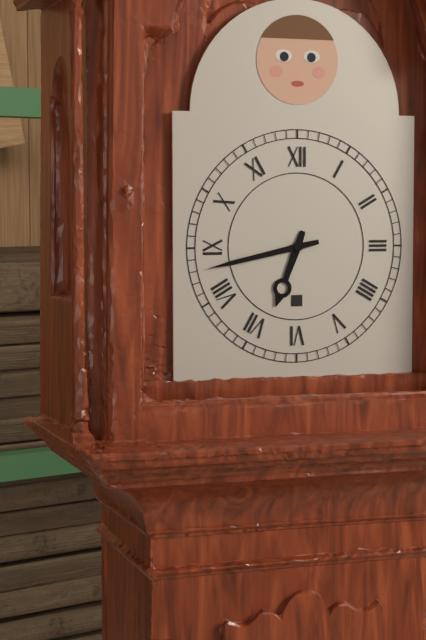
6:43
